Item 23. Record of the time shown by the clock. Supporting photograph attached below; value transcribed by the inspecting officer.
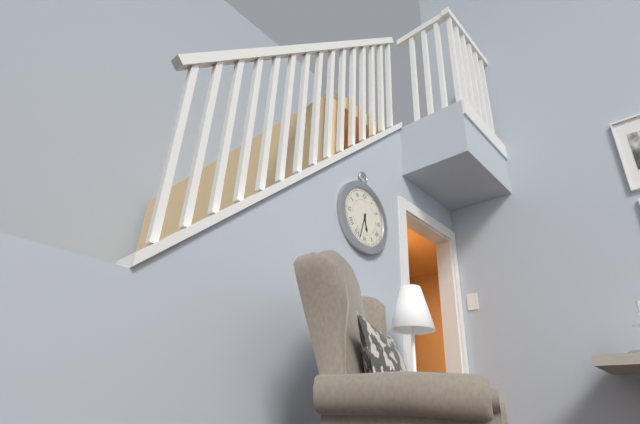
5:33
